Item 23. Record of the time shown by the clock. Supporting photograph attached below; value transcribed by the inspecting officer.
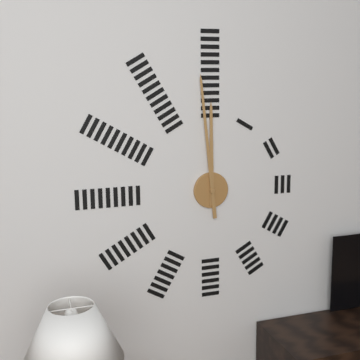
11:59
